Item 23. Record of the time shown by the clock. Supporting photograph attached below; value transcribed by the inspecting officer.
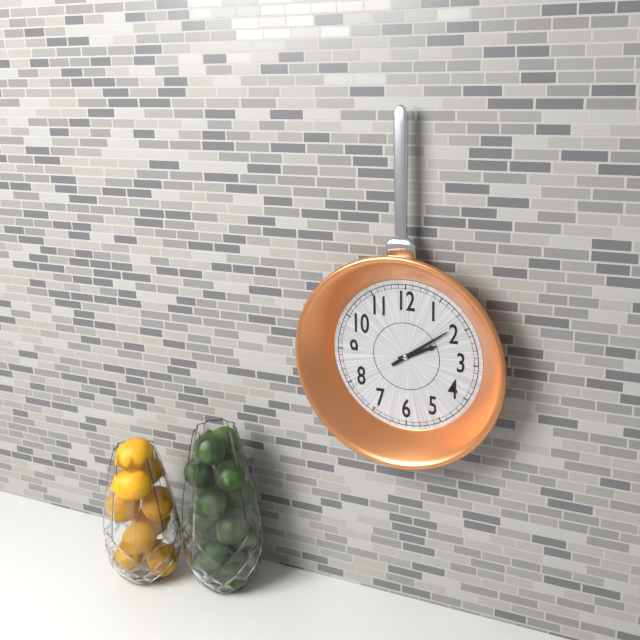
2:09
